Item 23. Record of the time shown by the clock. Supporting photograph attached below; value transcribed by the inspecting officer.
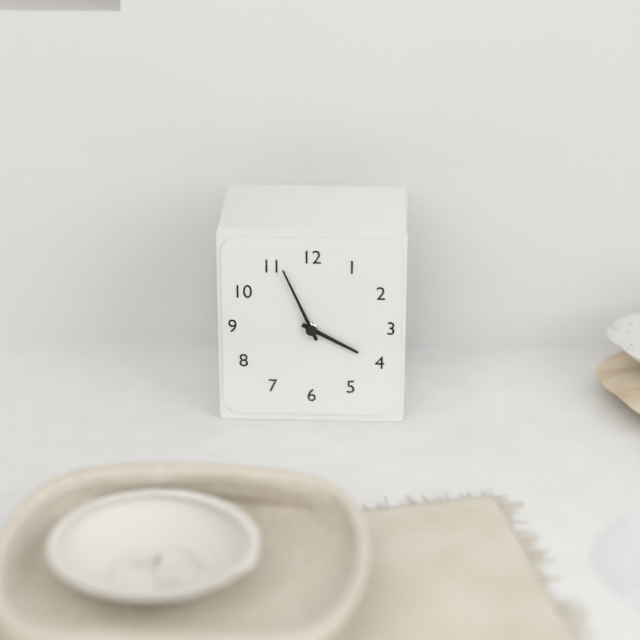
3:56
